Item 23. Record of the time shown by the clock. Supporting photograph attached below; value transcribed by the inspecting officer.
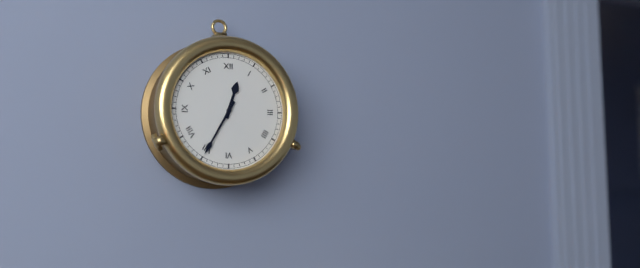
12:35
